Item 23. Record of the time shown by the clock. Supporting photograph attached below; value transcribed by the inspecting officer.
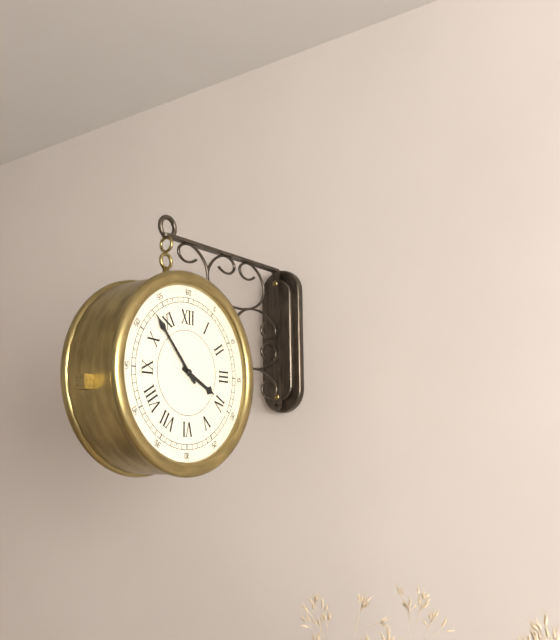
3:53
